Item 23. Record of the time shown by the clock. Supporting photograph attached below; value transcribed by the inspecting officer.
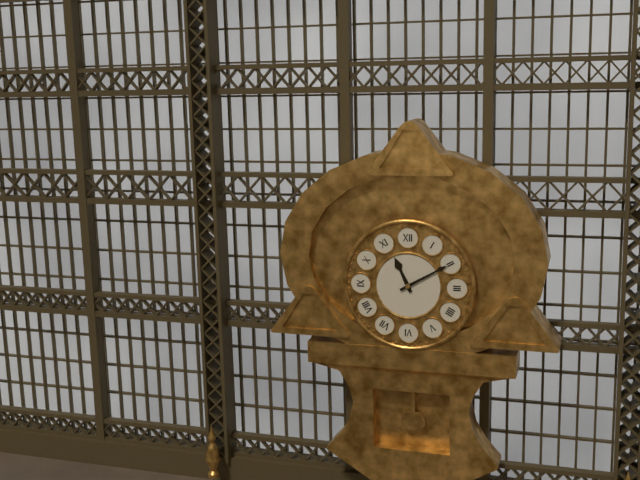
11:10
